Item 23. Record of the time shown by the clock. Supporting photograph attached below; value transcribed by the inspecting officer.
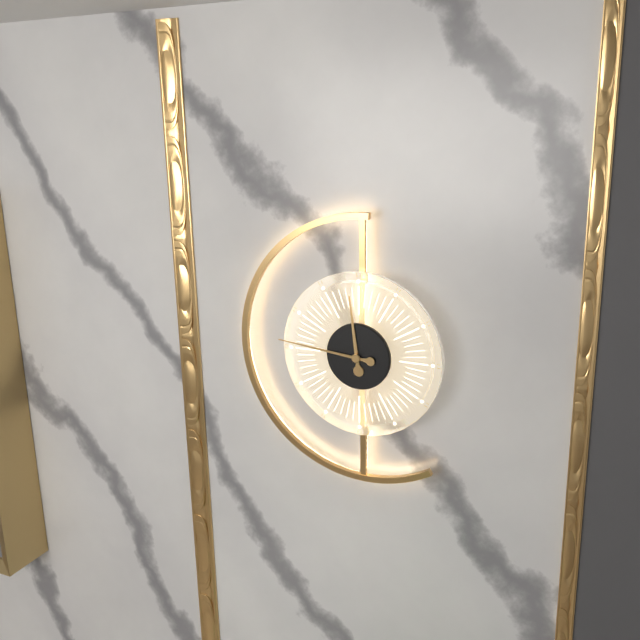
11:46
